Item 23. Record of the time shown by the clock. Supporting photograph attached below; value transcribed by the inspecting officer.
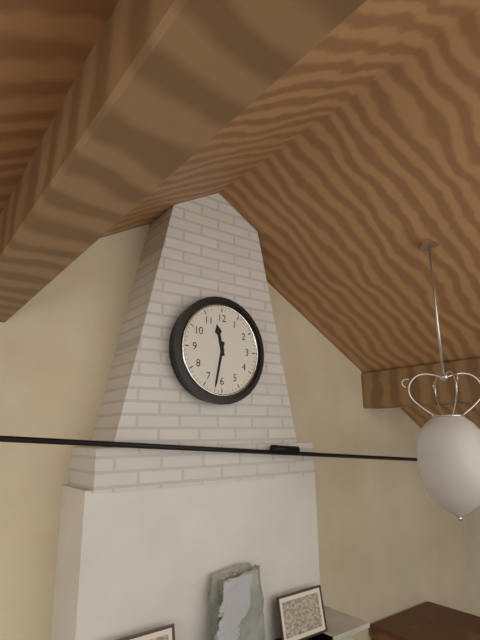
11:32
